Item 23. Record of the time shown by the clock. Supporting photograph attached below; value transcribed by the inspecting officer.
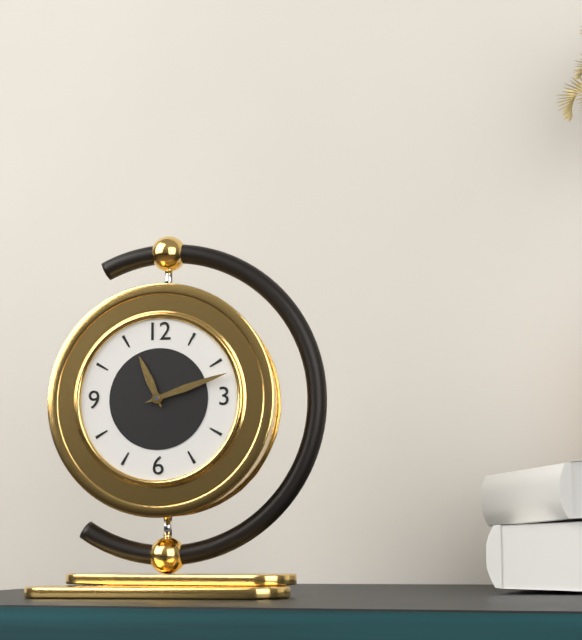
11:12
